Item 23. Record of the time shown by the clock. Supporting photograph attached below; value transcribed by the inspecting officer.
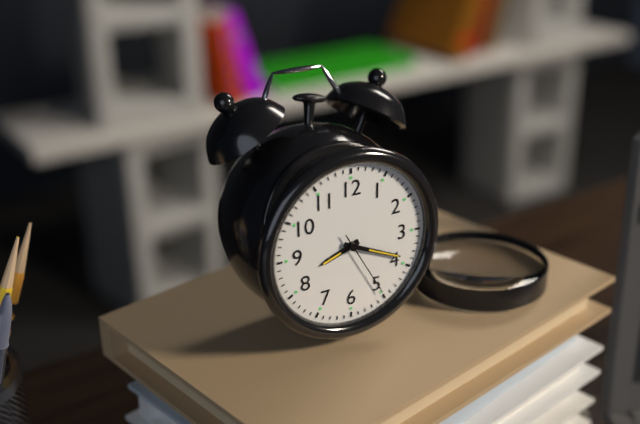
8:19:25
